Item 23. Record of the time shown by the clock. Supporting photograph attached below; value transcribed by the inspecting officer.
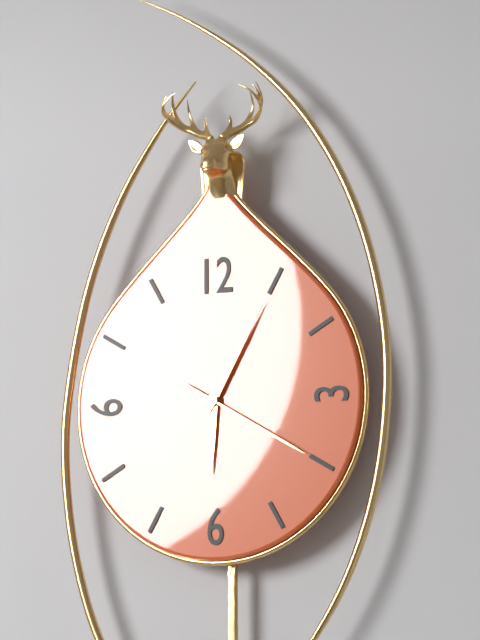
6:05:20
